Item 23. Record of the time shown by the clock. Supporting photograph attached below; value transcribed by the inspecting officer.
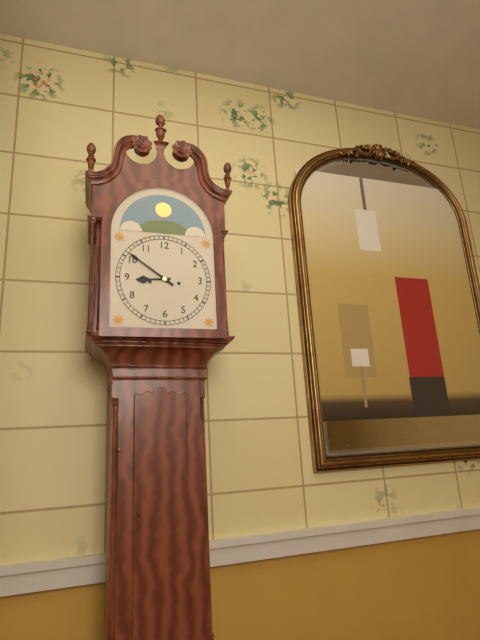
8:51
